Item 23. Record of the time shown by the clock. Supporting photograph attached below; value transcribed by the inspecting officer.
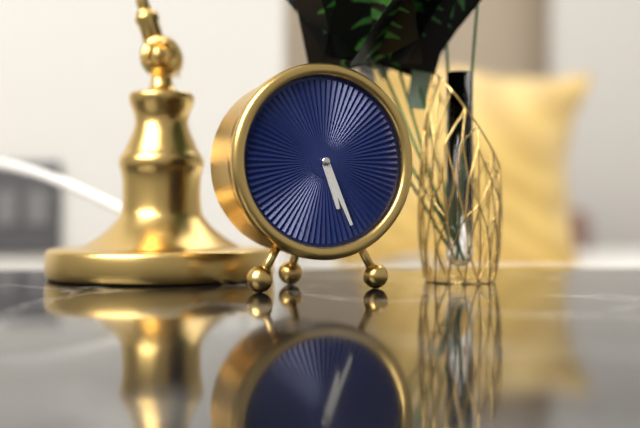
5:26
